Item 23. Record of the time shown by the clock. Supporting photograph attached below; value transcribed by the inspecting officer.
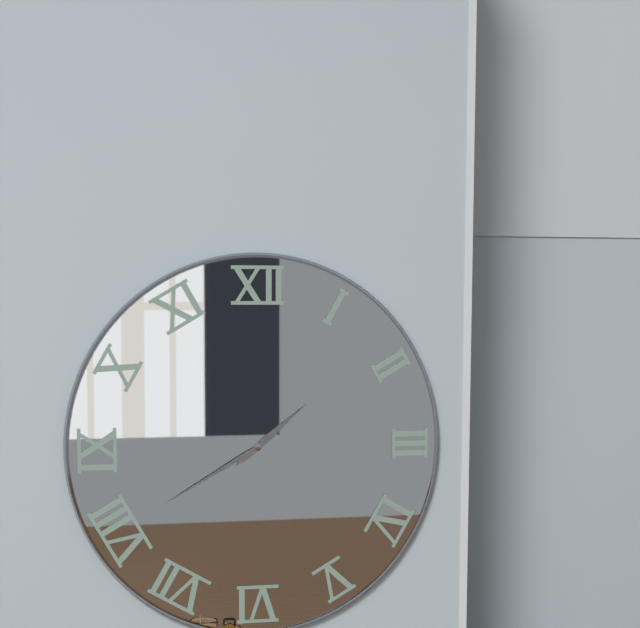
1:40
